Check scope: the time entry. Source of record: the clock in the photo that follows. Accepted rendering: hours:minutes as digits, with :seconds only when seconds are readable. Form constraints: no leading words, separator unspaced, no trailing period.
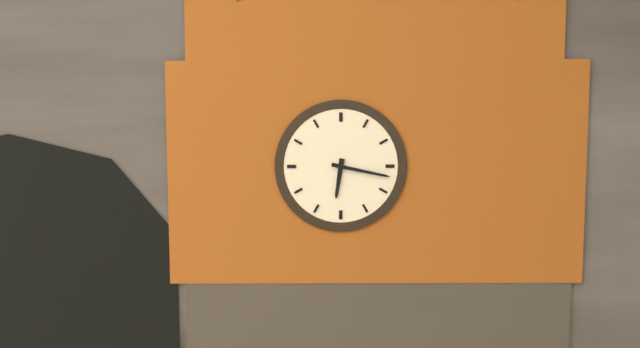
6:17
